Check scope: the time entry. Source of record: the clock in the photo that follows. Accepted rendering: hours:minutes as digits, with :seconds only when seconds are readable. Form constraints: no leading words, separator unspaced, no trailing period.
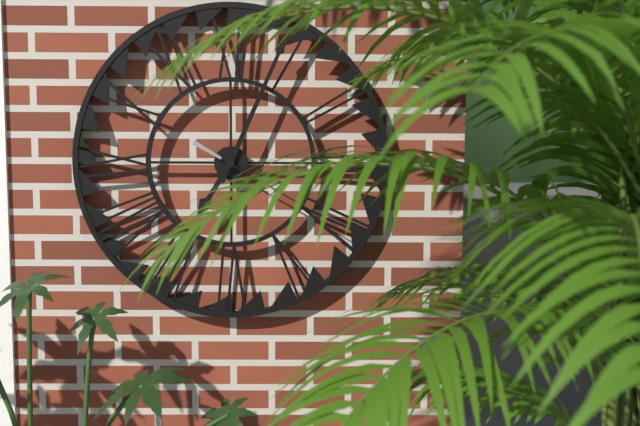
7:04:20
